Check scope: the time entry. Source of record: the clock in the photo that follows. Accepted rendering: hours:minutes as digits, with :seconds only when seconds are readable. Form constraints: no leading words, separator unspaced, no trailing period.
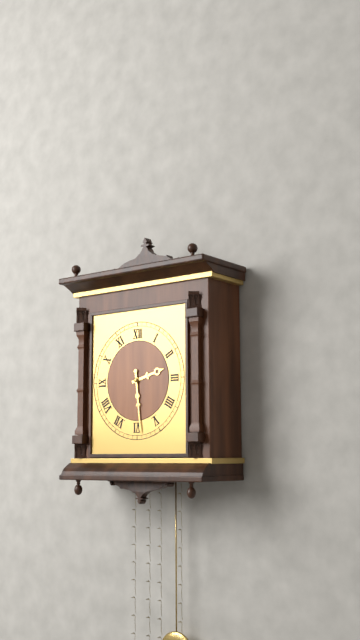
2:29
